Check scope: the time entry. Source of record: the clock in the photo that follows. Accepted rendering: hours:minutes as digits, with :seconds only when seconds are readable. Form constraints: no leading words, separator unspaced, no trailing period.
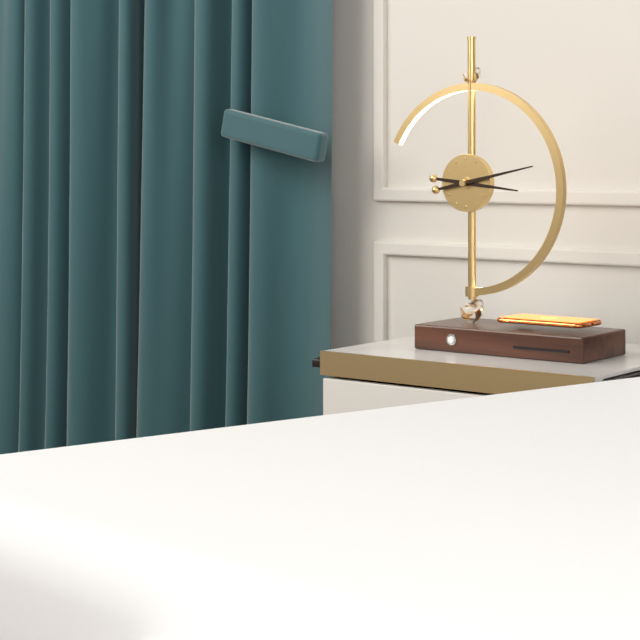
3:13
